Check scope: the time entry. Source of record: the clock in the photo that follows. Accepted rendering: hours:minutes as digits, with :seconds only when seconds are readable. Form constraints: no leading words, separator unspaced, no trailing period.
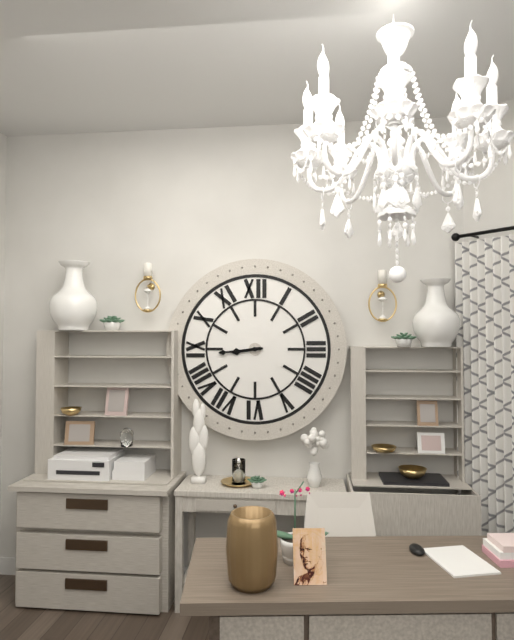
8:44
